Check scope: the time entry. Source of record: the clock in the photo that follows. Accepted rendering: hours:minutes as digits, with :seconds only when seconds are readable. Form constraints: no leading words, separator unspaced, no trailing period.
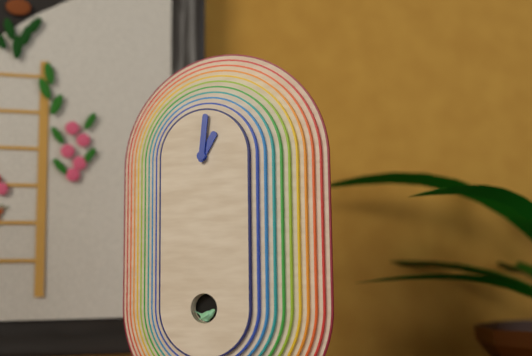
1:01
